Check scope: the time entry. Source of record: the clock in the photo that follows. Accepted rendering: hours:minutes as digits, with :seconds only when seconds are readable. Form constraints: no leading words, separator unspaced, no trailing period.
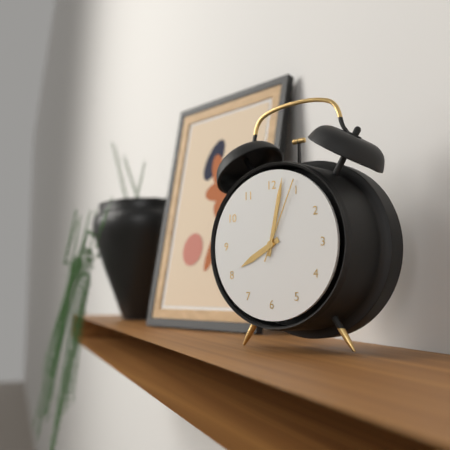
8:02:04
